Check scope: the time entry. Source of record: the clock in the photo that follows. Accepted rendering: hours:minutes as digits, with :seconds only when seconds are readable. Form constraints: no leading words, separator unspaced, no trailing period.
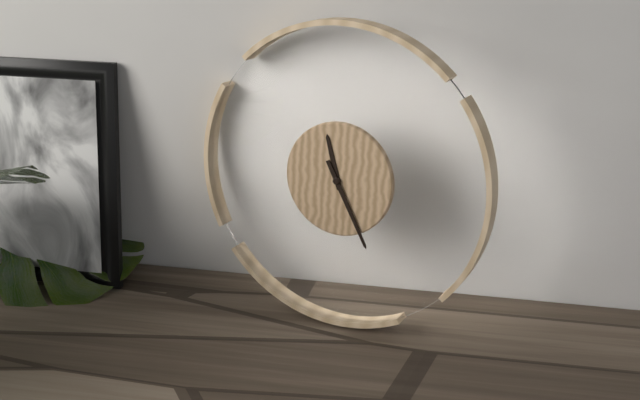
11:25
